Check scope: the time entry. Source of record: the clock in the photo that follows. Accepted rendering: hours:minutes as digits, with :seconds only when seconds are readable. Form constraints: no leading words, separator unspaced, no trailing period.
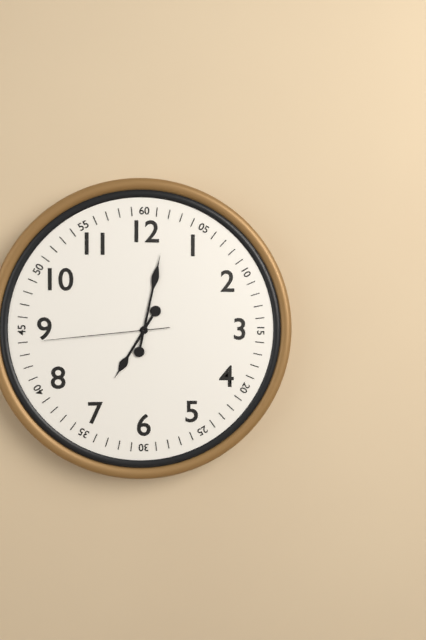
7:02:44
